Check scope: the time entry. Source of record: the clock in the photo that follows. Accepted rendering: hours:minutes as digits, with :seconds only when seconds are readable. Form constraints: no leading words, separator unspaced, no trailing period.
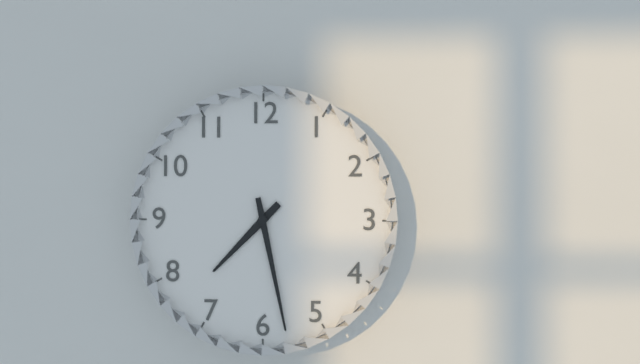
7:28
